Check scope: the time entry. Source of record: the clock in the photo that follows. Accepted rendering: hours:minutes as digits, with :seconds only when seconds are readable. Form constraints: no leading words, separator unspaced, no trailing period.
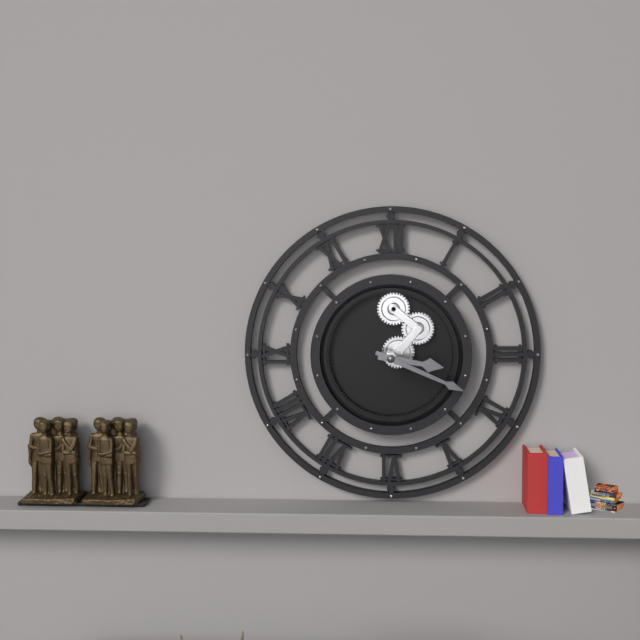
3:19
